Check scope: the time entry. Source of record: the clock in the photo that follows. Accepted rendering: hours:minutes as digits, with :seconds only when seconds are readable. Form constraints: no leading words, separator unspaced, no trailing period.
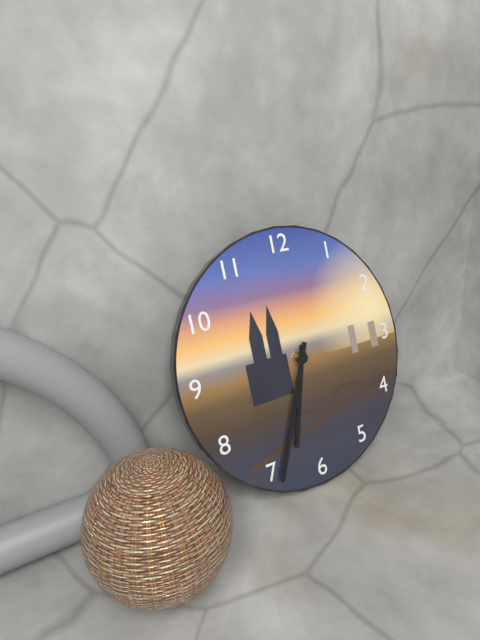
6:34
